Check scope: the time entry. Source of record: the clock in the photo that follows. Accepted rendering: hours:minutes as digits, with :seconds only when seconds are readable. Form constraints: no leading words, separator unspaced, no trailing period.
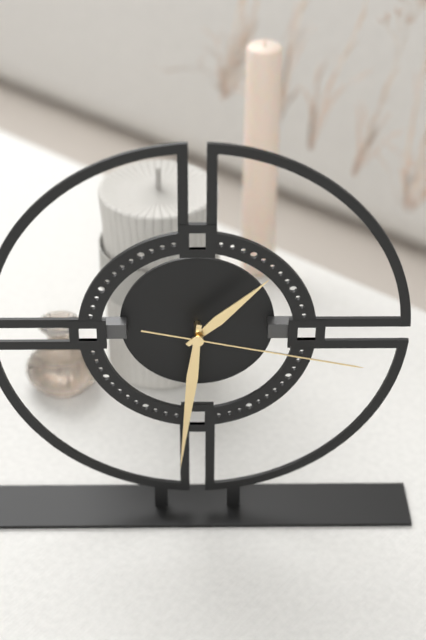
1:31:17
